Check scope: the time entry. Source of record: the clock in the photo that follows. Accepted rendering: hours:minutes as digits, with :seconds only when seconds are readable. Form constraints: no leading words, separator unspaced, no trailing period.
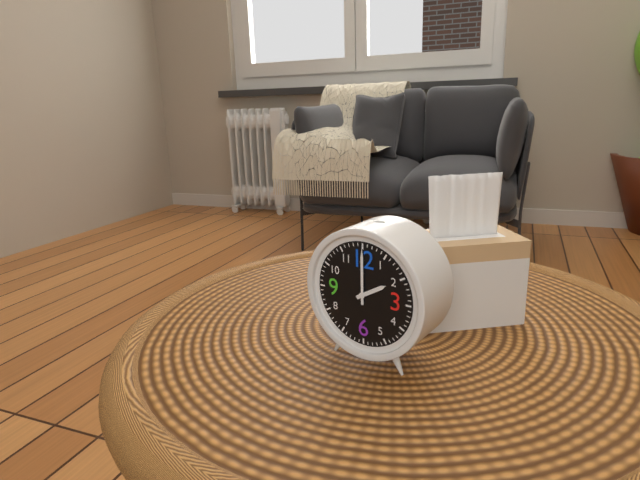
2:00
